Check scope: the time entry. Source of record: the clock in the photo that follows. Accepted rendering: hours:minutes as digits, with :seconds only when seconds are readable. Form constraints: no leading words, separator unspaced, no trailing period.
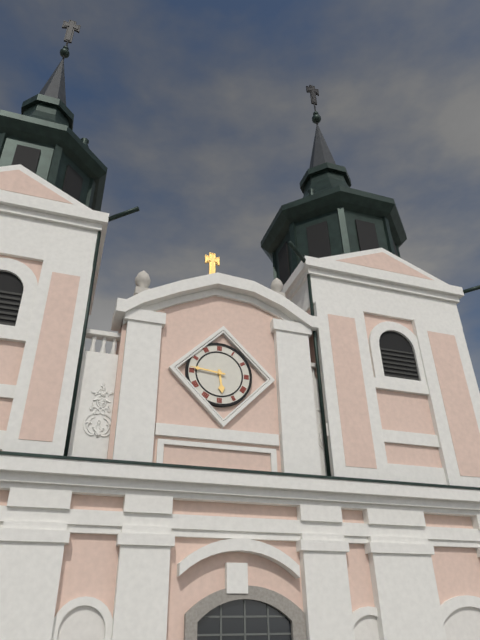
5:46
